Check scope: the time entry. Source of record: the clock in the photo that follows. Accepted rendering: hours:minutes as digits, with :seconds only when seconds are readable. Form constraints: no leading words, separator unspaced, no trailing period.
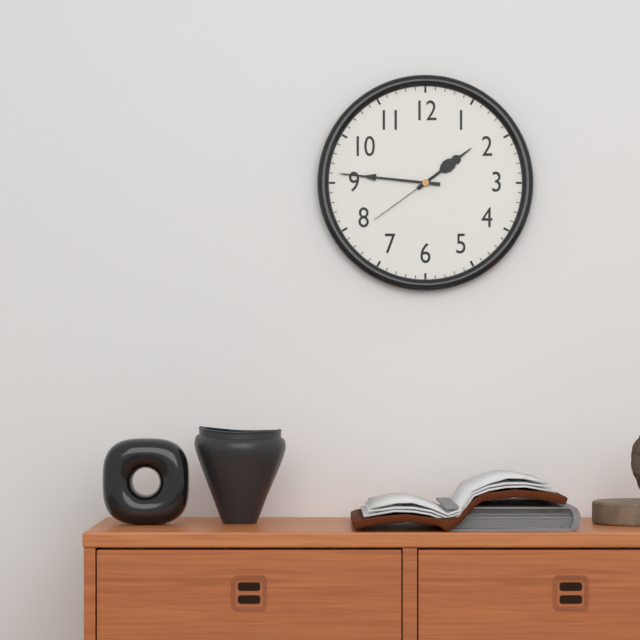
1:46:39
